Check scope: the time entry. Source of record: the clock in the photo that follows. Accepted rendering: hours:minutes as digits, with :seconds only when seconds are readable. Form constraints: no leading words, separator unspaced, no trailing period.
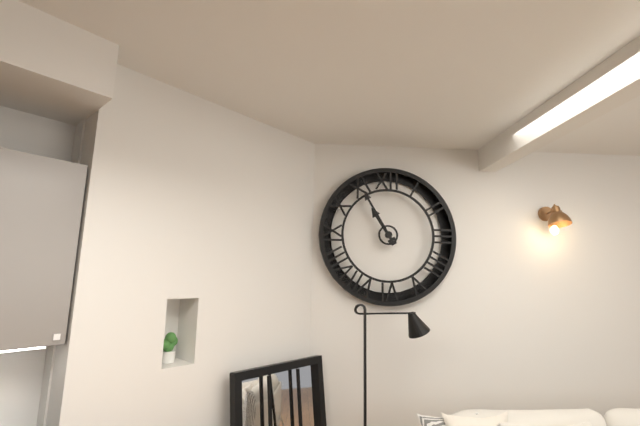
10:55
